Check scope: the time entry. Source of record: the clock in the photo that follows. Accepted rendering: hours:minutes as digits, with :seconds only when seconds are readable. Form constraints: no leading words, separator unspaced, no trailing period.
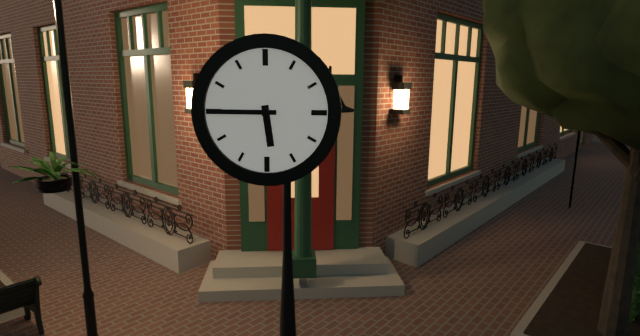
5:45
